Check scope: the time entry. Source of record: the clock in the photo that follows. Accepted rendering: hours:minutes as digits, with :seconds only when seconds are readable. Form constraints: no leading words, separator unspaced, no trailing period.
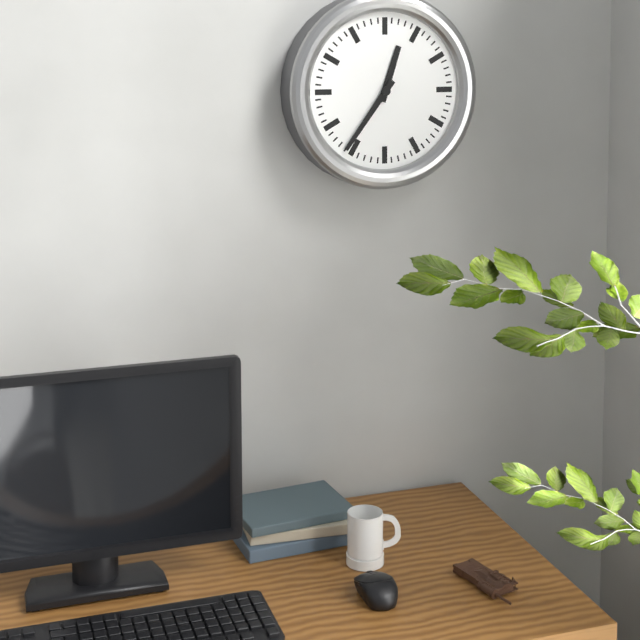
12:36
